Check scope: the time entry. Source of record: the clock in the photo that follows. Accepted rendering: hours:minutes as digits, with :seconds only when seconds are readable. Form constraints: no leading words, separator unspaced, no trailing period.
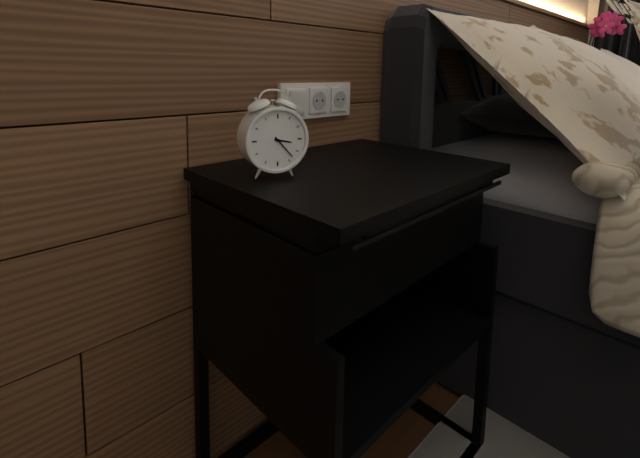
3:23
